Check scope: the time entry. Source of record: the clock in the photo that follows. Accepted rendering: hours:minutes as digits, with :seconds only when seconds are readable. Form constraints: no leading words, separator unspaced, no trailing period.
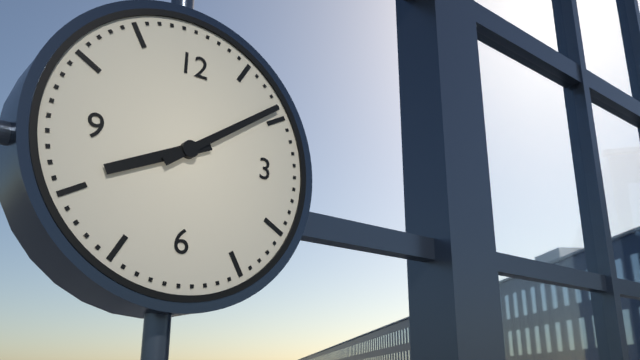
8:09
